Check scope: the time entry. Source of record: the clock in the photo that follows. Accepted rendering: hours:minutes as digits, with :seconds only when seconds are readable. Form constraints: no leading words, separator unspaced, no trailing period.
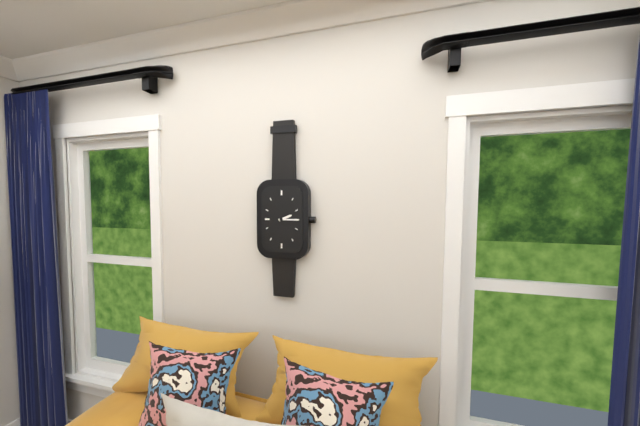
2:15
